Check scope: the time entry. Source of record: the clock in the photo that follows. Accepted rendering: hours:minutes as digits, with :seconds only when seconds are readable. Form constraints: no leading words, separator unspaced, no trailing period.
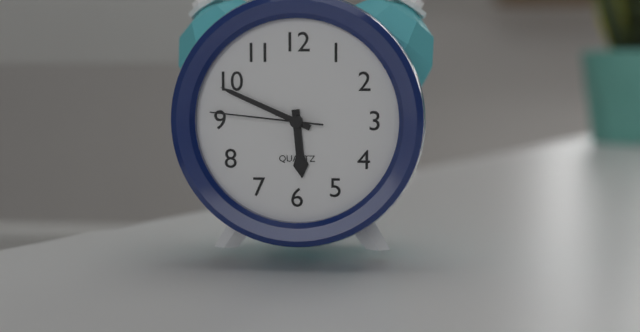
5:49:46
